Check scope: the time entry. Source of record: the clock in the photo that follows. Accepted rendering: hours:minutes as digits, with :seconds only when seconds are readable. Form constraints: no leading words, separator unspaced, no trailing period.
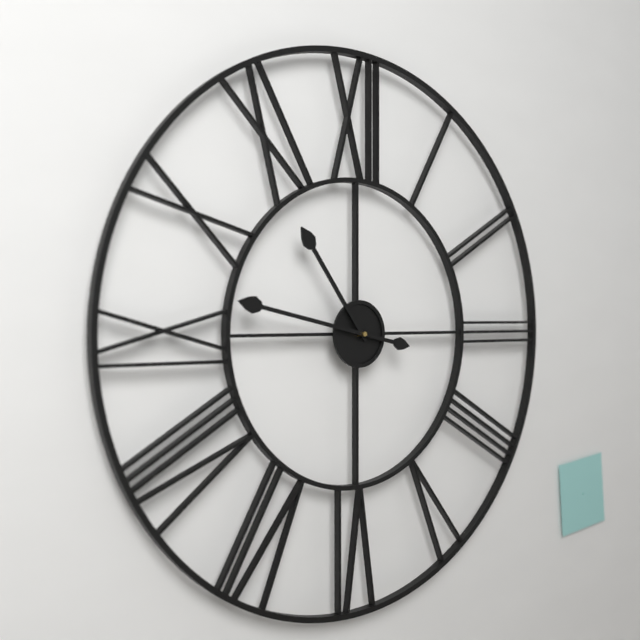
10:47
